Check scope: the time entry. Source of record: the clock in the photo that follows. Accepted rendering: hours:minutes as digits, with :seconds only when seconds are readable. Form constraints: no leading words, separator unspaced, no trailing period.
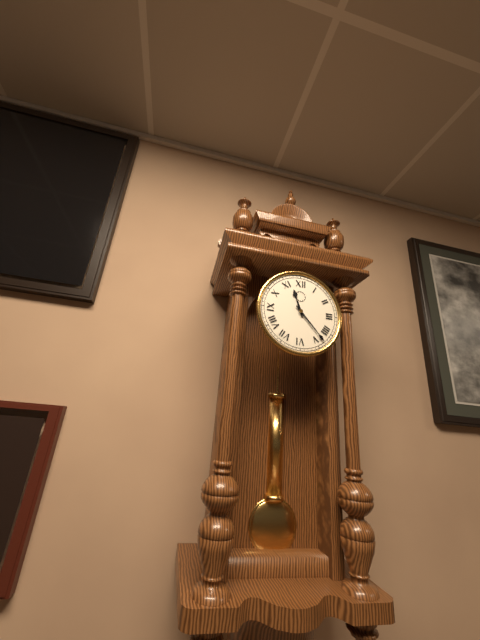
11:23
